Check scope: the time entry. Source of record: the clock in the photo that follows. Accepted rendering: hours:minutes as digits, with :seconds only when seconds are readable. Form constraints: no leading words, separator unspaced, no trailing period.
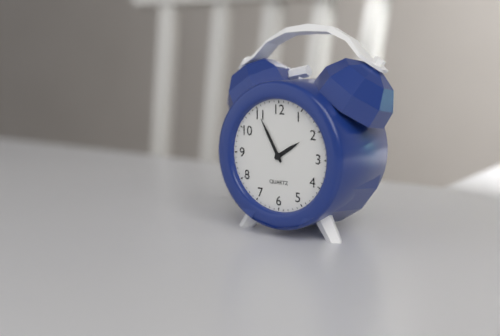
1:55
